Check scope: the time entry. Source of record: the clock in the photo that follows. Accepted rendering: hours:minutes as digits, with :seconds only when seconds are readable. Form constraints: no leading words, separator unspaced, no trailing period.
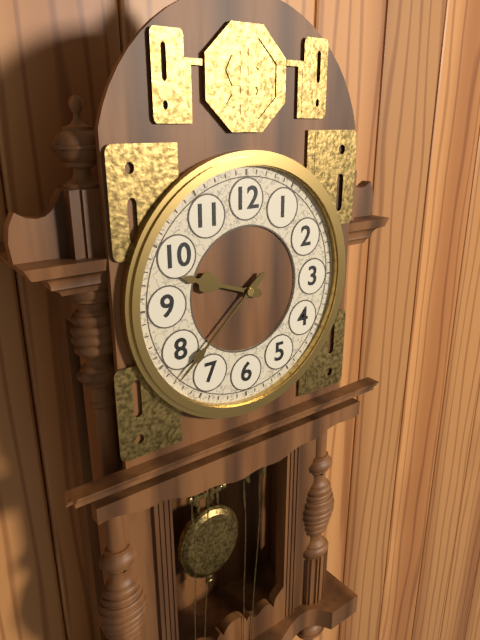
9:38
